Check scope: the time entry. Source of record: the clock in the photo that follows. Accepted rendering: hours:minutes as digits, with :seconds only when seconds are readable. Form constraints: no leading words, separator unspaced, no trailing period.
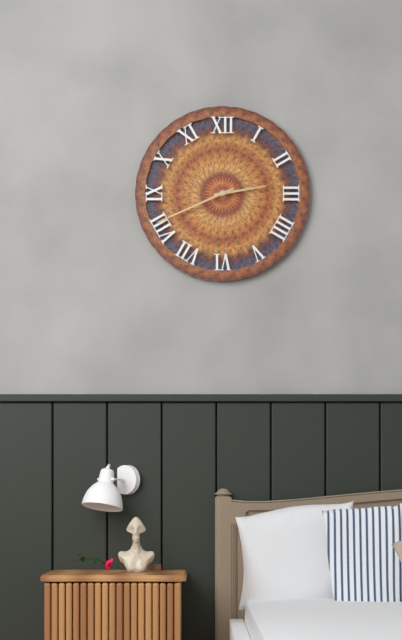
2:41
